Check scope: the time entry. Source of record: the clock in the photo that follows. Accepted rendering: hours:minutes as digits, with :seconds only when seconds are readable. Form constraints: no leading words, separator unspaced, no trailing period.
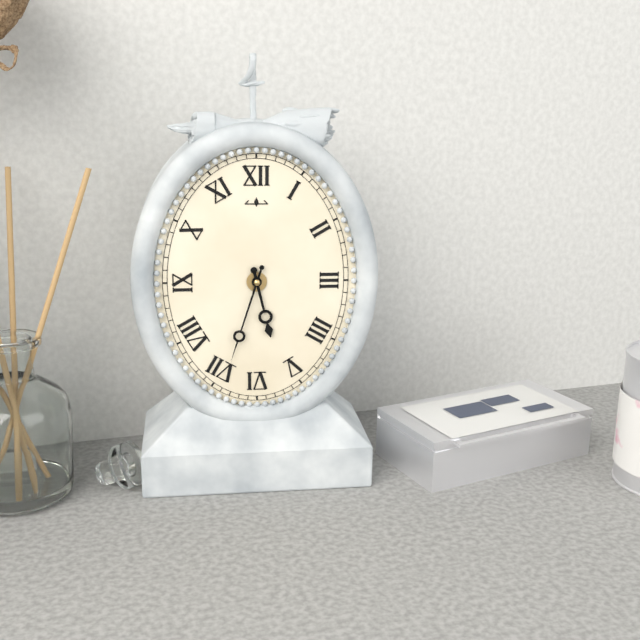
5:33
